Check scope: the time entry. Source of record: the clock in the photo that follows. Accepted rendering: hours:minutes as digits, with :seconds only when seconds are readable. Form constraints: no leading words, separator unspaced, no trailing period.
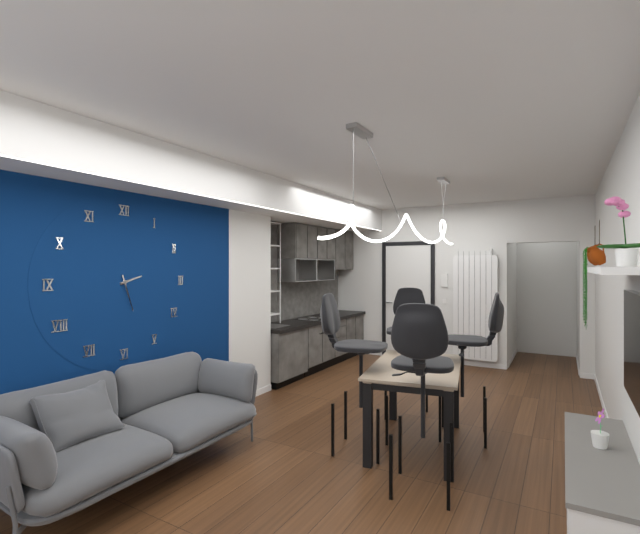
2:27
